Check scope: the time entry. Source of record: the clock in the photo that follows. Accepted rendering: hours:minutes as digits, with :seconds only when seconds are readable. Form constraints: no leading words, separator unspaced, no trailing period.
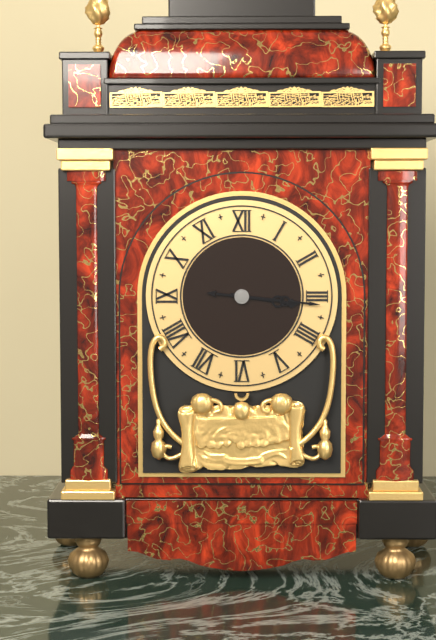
3:16
